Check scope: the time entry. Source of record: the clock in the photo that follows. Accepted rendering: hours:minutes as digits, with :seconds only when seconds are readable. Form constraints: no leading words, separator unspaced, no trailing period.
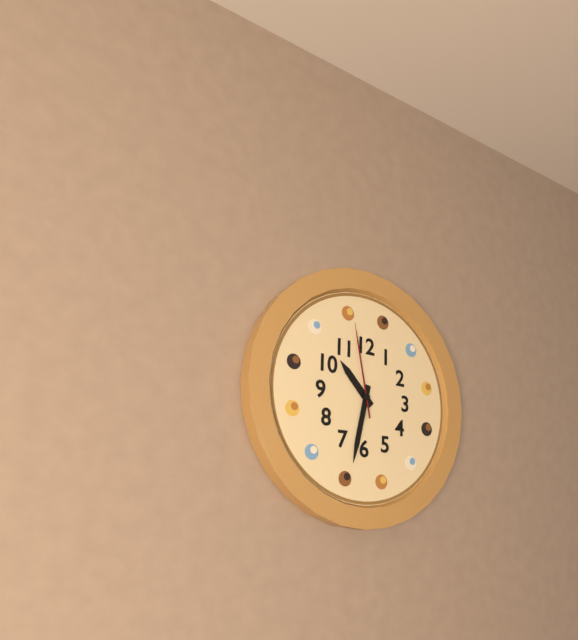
10:32:58
